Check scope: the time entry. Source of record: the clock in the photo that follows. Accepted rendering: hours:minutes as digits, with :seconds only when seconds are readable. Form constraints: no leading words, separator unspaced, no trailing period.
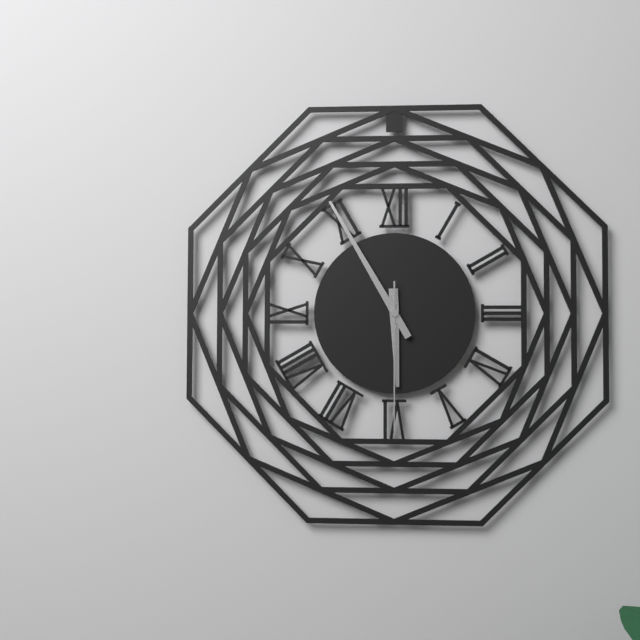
5:55:30
